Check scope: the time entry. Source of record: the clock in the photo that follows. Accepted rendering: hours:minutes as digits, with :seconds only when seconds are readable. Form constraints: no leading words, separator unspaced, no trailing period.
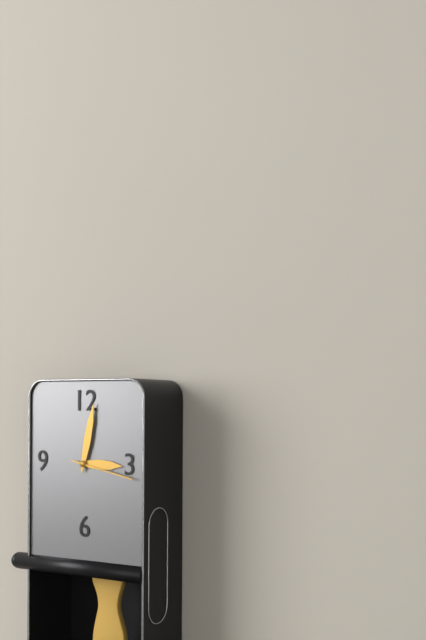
3:02
